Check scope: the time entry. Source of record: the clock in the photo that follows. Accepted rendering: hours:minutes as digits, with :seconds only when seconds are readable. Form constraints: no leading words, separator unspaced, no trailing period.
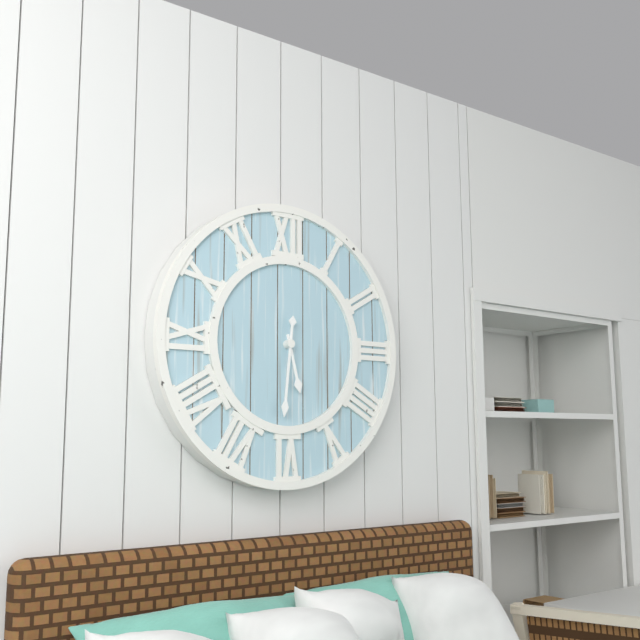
5:31
